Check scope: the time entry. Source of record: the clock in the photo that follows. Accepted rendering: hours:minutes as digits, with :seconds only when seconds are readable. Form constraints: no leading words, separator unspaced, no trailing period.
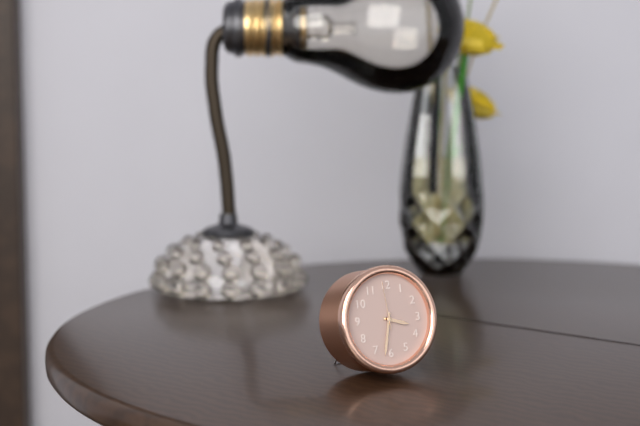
3:32
